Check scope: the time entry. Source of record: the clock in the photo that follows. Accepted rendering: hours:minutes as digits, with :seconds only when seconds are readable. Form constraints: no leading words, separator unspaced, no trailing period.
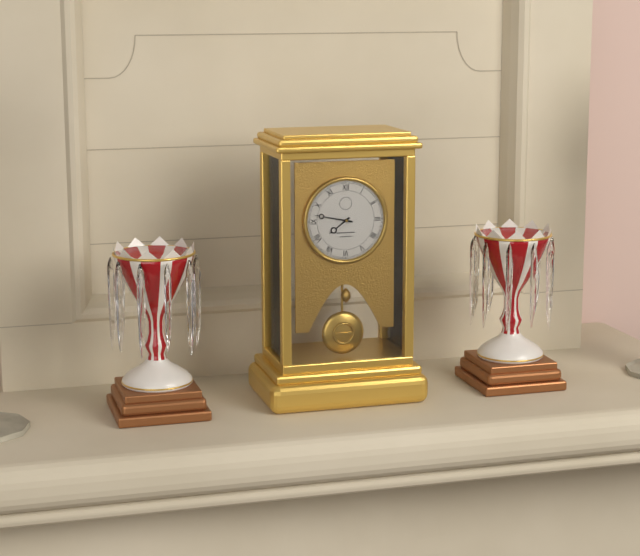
7:47
